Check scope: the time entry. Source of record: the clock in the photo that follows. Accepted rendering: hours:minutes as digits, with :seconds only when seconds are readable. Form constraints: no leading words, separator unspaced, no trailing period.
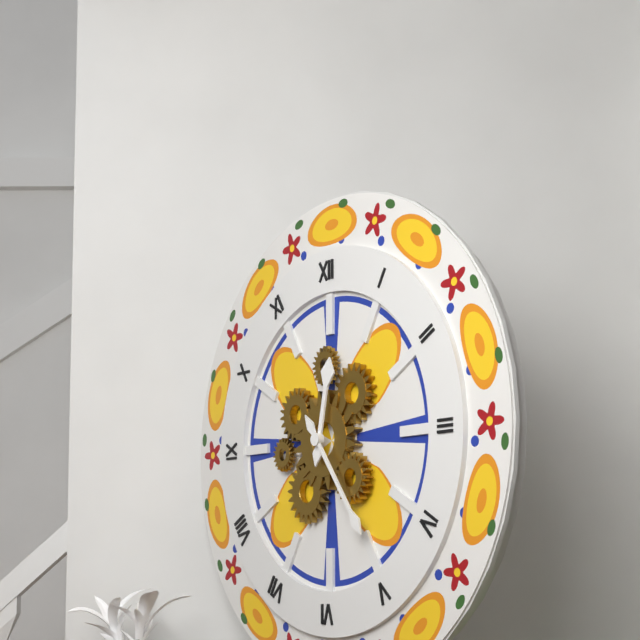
12:24
